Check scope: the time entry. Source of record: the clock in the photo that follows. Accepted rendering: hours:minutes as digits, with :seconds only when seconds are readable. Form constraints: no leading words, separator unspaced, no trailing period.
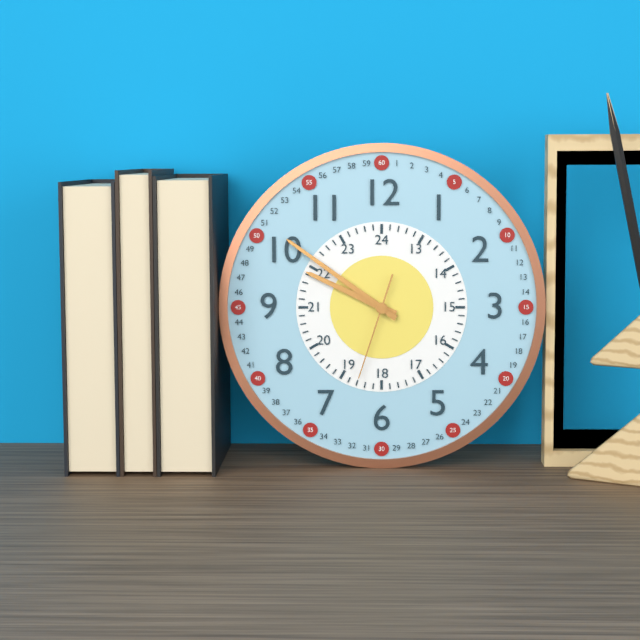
9:51:33
